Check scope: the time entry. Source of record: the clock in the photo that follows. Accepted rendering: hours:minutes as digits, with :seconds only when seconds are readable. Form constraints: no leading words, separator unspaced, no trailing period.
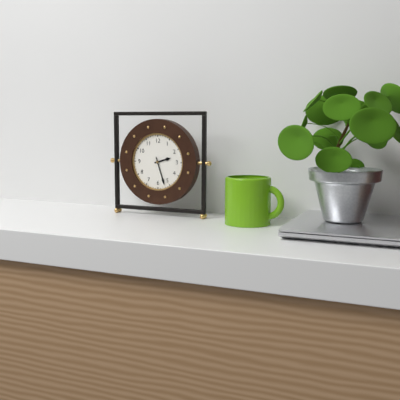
2:27
